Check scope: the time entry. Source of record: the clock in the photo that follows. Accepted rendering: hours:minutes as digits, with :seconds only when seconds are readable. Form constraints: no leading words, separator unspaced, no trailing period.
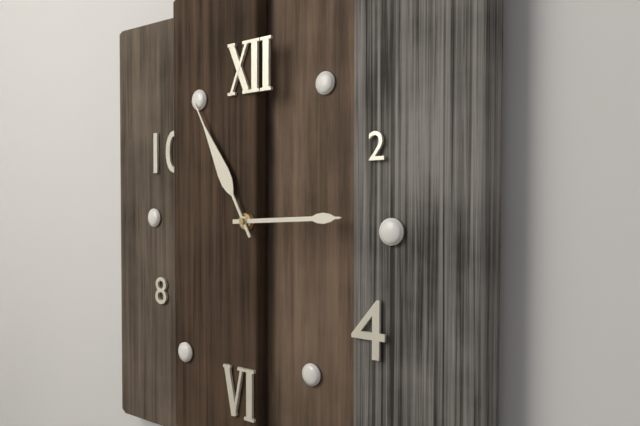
2:55
